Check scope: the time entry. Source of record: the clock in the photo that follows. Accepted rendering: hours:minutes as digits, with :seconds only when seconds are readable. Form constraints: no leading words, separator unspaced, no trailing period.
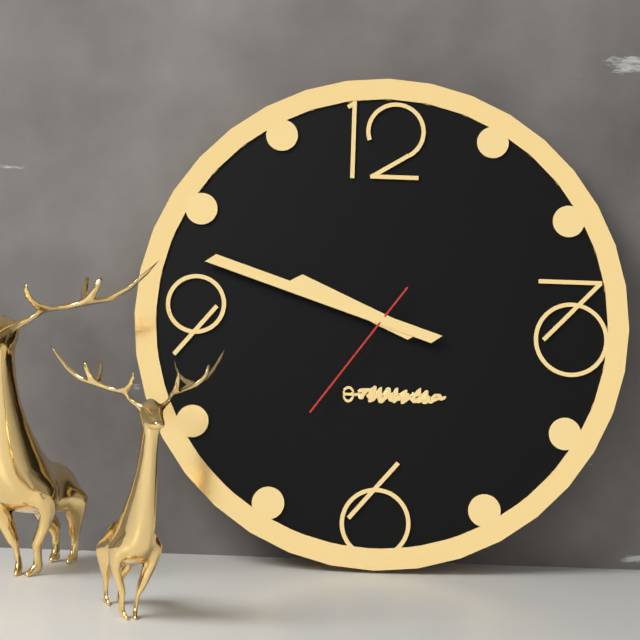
9:48:36
